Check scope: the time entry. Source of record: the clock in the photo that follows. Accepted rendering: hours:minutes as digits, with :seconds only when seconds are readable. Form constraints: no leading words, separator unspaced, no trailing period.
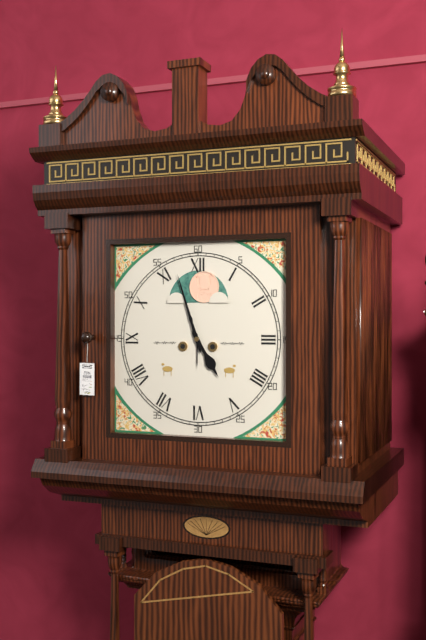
4:57
